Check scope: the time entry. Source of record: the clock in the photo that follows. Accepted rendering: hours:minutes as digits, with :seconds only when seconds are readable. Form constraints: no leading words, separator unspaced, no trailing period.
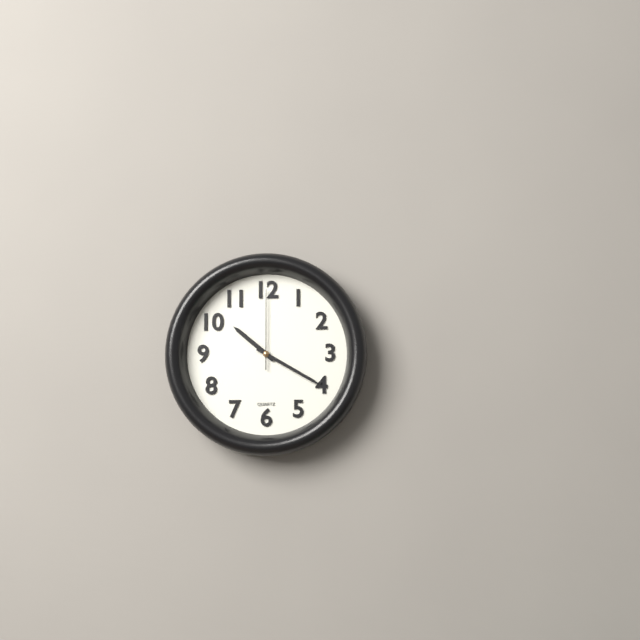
10:20:00
